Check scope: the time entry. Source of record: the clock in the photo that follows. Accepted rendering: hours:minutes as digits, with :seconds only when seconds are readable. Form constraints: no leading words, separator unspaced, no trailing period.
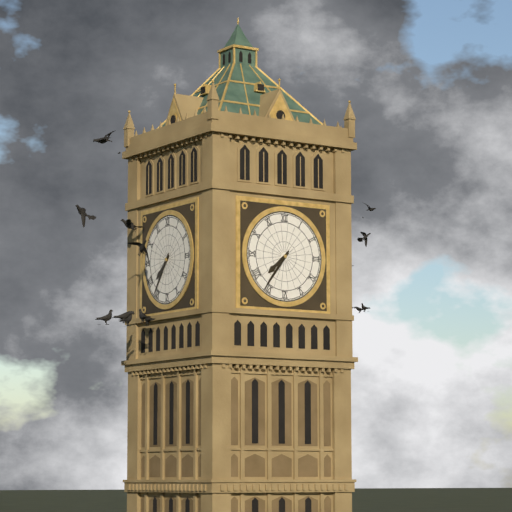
7:36
